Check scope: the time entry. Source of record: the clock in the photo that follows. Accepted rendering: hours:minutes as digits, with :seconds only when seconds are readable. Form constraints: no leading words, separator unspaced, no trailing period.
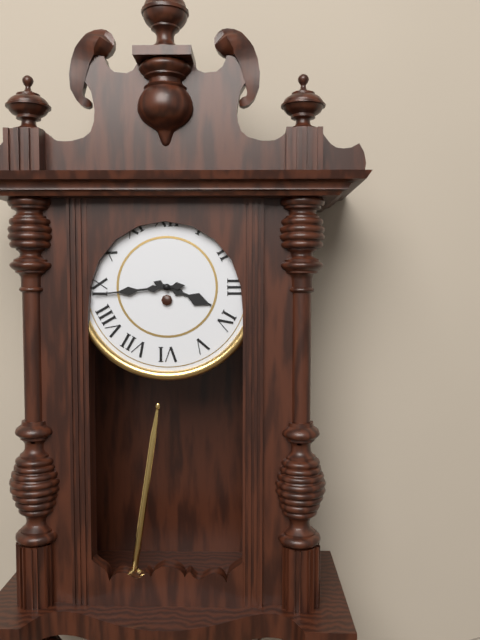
3:44
